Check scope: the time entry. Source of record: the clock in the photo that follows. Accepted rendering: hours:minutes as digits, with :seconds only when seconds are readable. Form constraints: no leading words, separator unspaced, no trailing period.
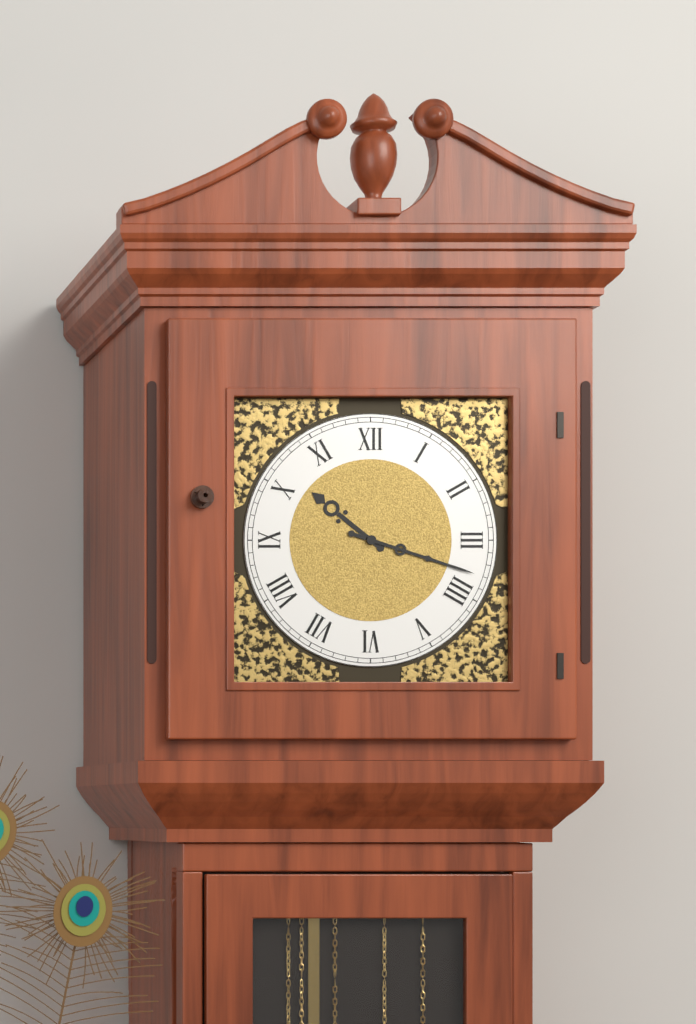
10:18
